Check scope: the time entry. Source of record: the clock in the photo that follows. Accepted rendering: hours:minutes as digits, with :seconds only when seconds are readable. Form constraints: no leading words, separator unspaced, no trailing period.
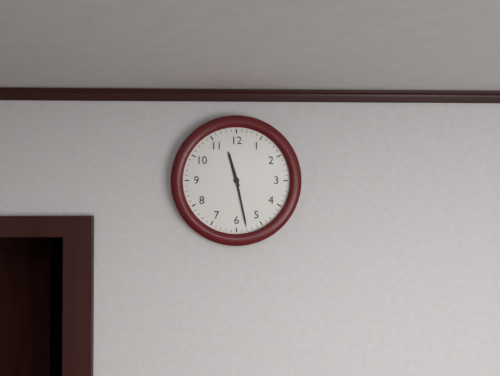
11:28
